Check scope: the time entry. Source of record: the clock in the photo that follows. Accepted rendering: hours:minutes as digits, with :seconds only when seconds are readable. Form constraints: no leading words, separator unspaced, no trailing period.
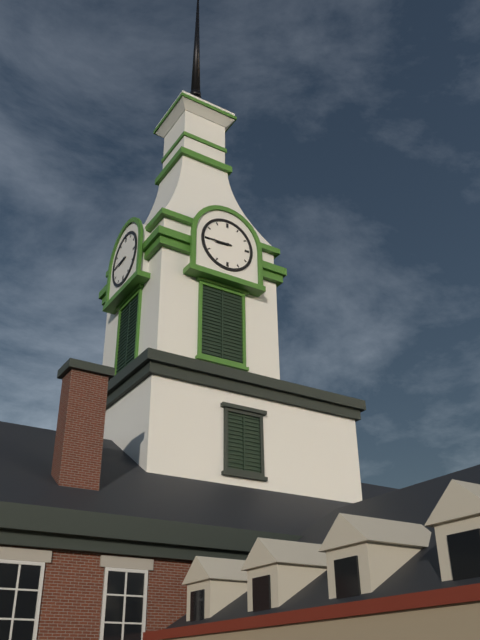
8:45
